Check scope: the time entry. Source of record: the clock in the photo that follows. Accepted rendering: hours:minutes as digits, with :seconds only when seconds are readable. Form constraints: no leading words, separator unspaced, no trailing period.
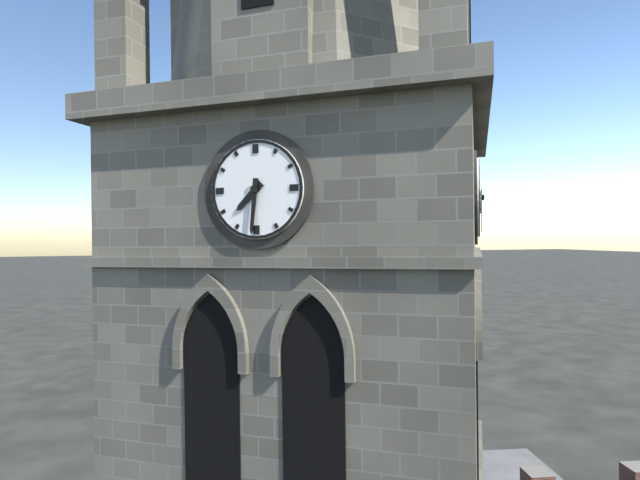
7:31
